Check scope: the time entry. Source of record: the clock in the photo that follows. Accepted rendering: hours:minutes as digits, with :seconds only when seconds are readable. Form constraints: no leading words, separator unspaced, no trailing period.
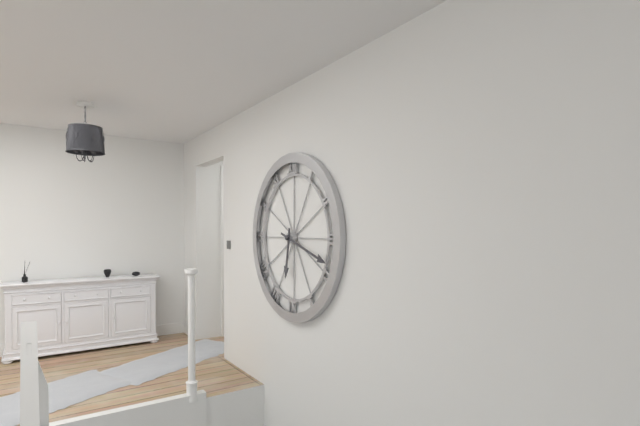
6:18
